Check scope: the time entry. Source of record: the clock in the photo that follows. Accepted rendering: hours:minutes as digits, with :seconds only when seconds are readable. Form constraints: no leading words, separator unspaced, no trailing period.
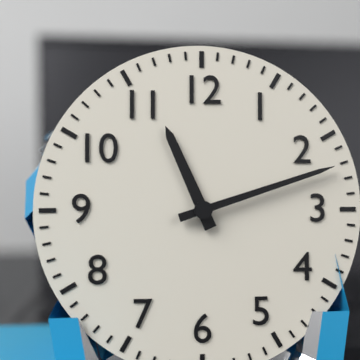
11:12
